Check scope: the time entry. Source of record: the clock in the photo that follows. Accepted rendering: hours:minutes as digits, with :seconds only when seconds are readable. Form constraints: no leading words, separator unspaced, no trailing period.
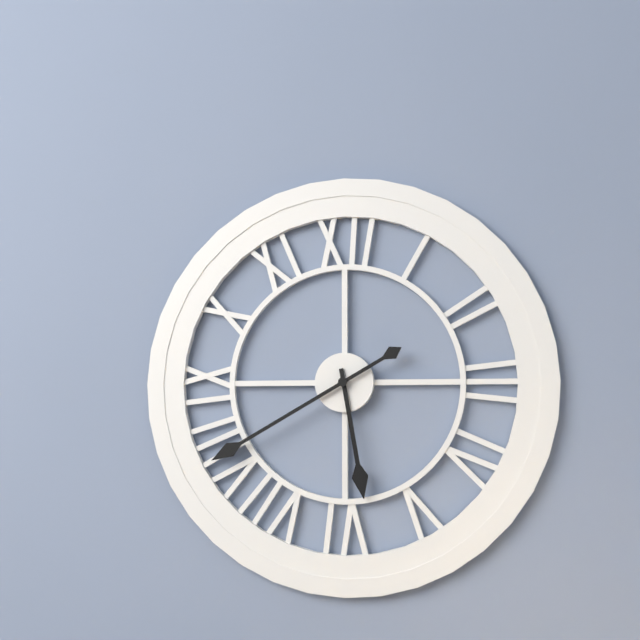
5:40
